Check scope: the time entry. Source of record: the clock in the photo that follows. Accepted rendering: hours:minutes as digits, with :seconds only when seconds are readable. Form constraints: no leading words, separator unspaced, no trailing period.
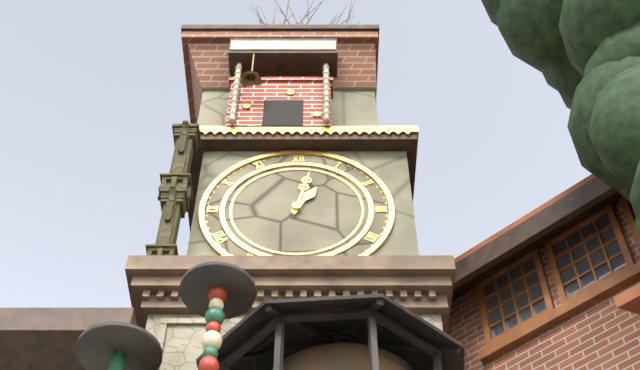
1:02
